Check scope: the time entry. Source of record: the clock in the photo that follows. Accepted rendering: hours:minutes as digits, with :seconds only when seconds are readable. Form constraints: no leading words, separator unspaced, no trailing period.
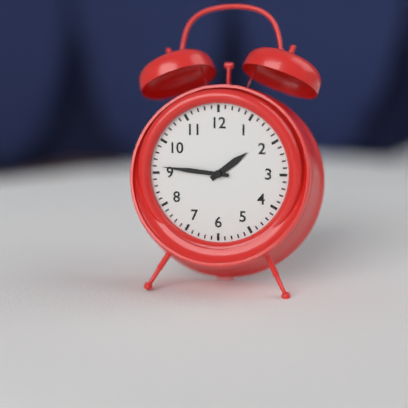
1:46
